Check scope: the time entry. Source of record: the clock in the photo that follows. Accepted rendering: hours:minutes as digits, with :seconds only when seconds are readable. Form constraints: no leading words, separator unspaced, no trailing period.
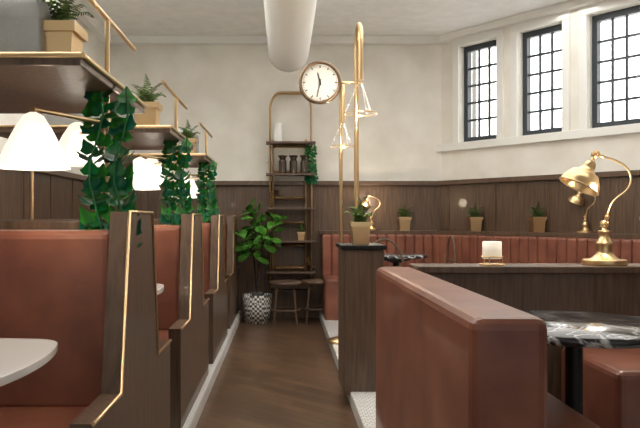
11:32
